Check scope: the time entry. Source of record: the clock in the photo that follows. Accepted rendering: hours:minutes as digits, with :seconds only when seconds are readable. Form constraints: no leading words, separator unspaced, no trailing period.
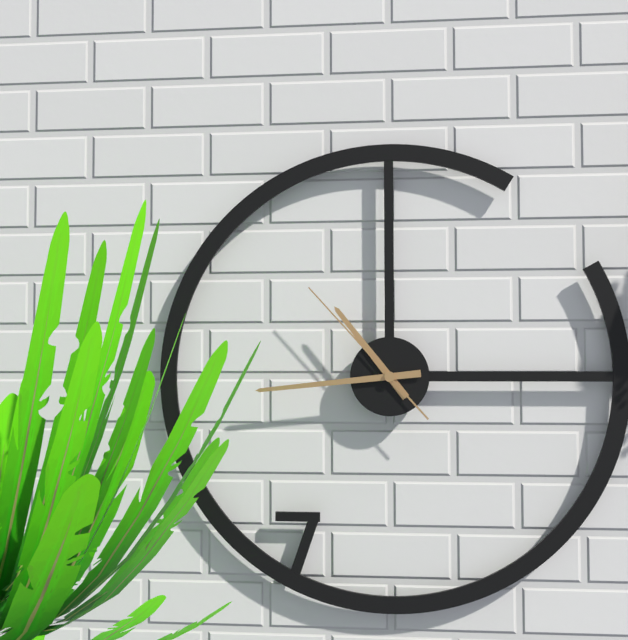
10:44:53
